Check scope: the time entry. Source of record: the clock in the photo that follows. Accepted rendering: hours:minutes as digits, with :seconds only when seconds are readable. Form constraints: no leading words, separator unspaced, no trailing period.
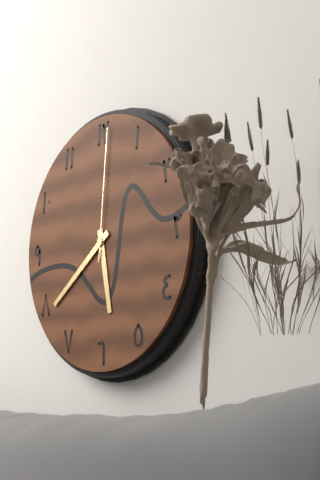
5:39:01
